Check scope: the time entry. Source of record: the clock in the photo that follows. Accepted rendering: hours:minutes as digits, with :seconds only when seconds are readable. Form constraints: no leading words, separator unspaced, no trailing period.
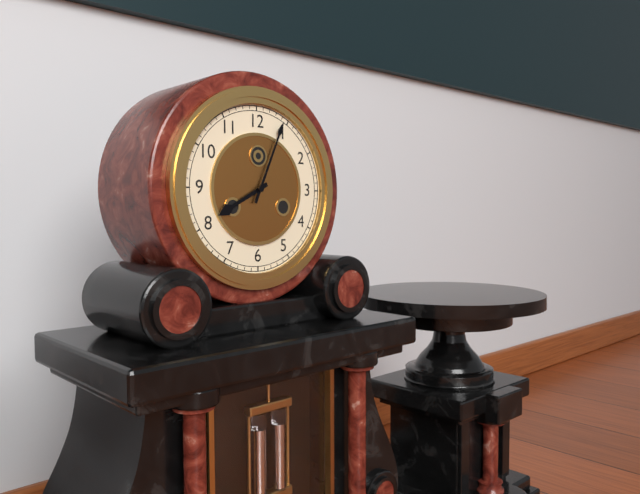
8:04
